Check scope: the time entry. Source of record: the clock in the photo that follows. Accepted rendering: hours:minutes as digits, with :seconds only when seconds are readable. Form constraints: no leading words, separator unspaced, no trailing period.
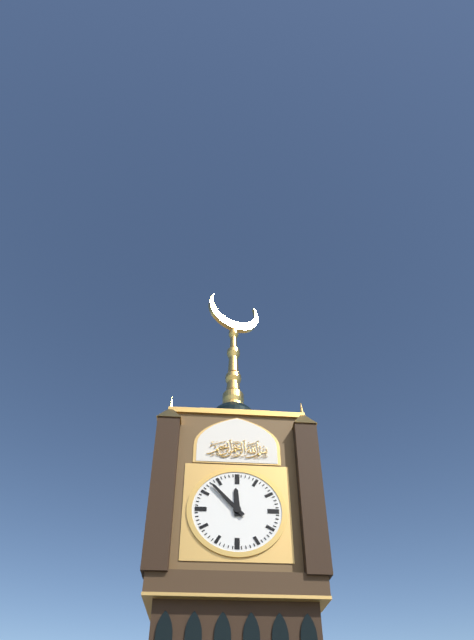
11:53
